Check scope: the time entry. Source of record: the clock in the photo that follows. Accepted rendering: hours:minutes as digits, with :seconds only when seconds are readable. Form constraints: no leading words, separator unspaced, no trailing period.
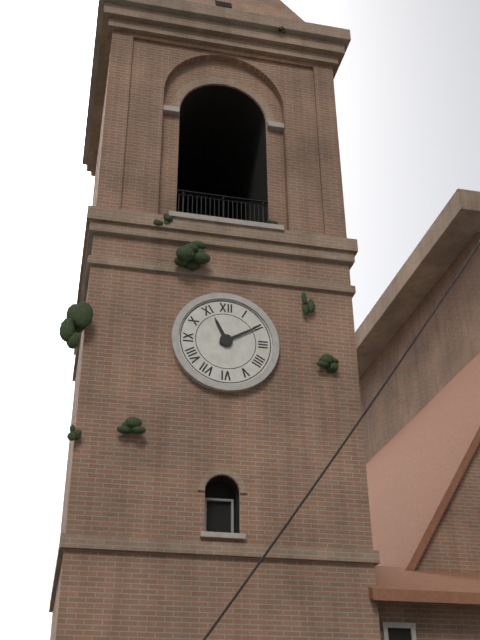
11:10
